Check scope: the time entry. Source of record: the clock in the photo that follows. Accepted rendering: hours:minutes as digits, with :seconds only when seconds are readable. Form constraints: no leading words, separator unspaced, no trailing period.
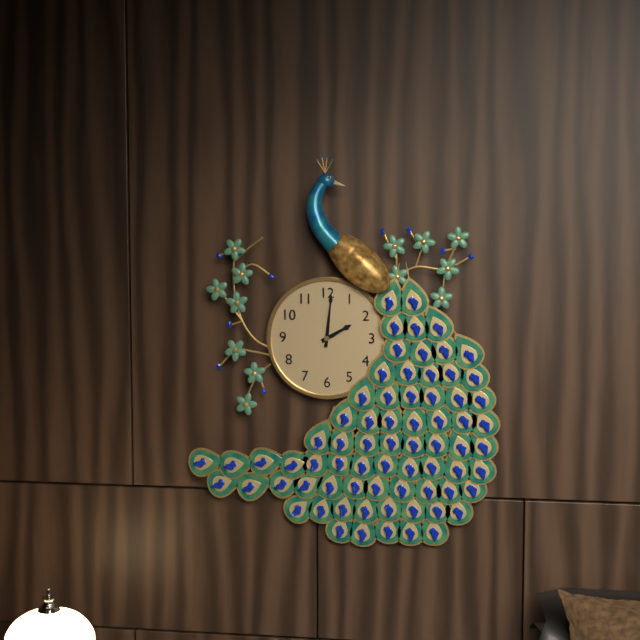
2:01
